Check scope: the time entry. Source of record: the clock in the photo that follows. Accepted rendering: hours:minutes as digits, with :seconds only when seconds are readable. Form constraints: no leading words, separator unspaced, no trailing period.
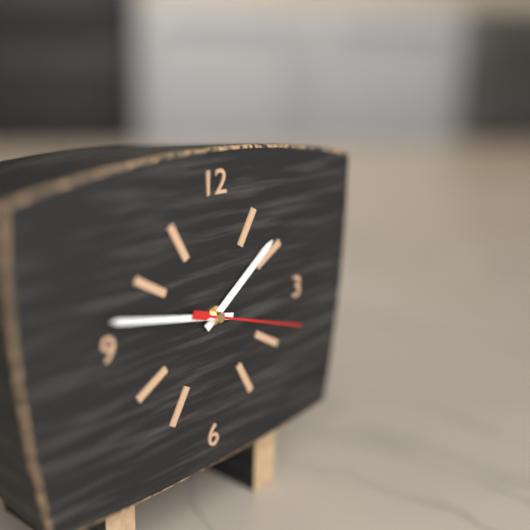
1:47:18
